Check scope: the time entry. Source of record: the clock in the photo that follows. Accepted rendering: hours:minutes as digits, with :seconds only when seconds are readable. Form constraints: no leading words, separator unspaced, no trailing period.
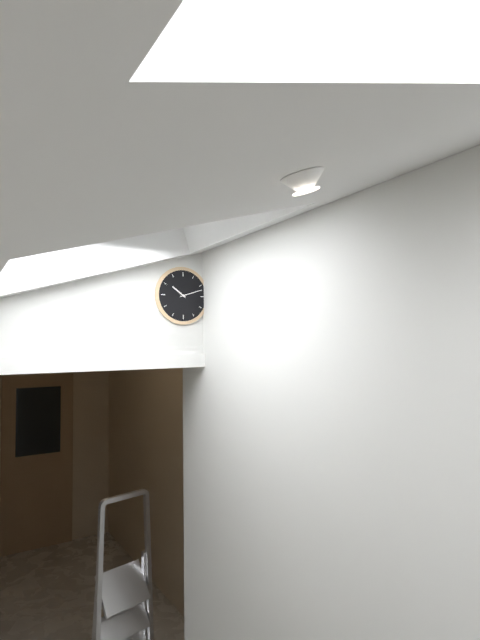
10:12
